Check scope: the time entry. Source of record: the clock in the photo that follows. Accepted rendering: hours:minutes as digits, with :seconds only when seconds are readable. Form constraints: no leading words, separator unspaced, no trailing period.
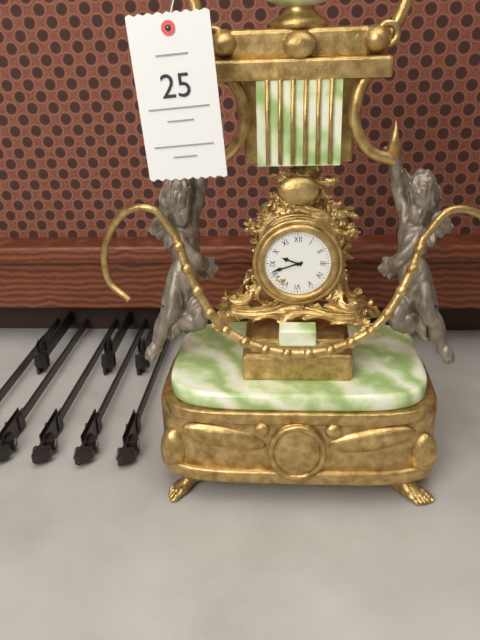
9:42
